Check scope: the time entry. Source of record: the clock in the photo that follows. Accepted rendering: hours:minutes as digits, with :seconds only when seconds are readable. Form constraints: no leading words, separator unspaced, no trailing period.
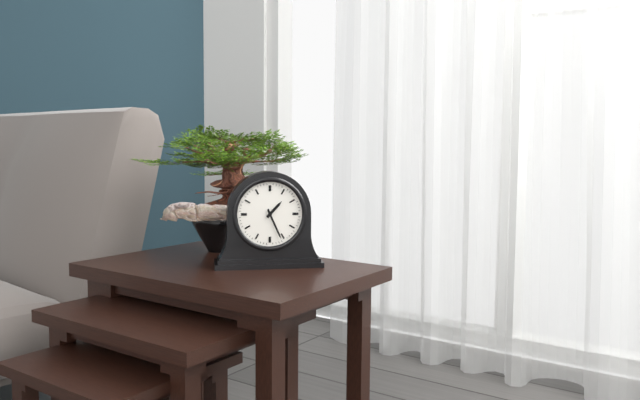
1:26
